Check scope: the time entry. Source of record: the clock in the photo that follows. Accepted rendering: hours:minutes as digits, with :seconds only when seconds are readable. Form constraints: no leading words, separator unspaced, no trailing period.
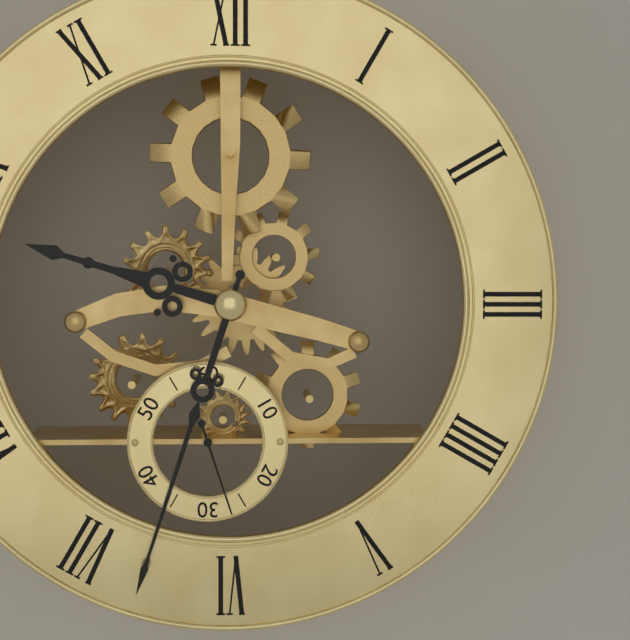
9:33:27
